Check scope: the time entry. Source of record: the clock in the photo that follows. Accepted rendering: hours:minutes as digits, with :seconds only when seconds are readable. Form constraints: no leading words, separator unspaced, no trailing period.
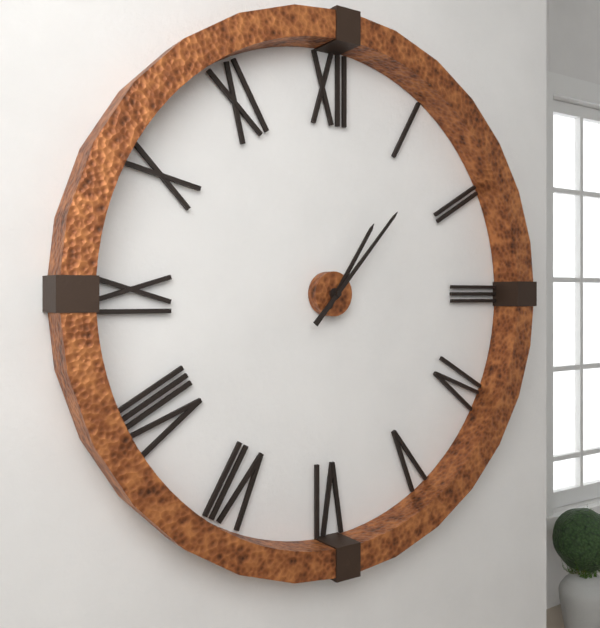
1:07
